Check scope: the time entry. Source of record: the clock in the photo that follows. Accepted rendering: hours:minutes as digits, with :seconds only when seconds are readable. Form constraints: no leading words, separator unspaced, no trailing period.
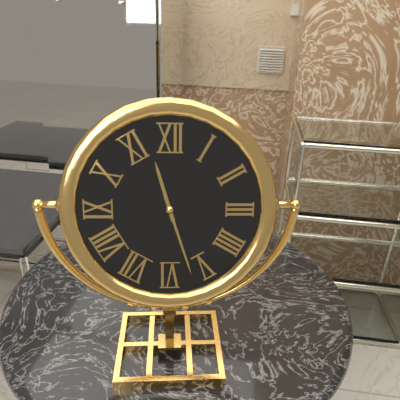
11:27
